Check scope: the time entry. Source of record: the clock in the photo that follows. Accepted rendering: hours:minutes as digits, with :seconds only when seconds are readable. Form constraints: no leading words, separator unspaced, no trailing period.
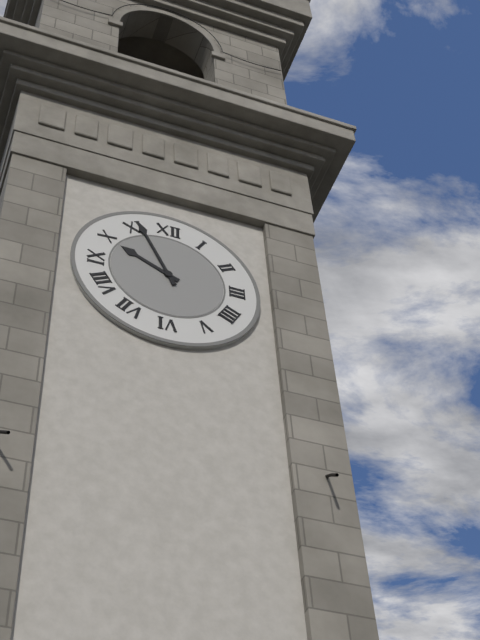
9:56
